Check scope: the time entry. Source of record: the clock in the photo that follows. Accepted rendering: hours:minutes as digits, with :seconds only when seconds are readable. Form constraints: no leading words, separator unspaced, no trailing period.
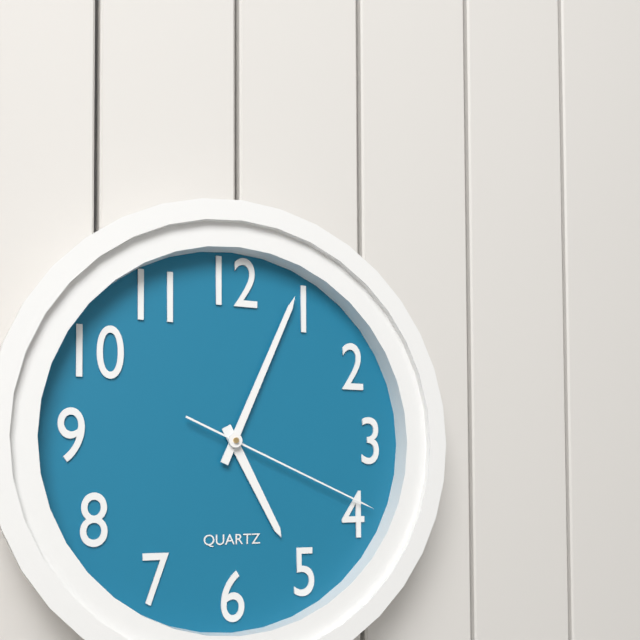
5:04:19
